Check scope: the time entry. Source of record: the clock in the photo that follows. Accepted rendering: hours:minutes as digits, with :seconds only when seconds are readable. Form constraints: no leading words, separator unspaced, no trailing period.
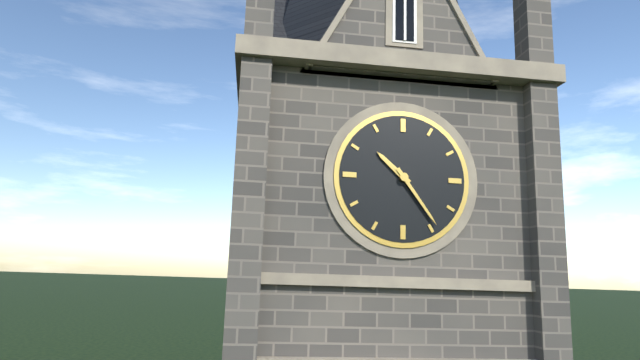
10:24
